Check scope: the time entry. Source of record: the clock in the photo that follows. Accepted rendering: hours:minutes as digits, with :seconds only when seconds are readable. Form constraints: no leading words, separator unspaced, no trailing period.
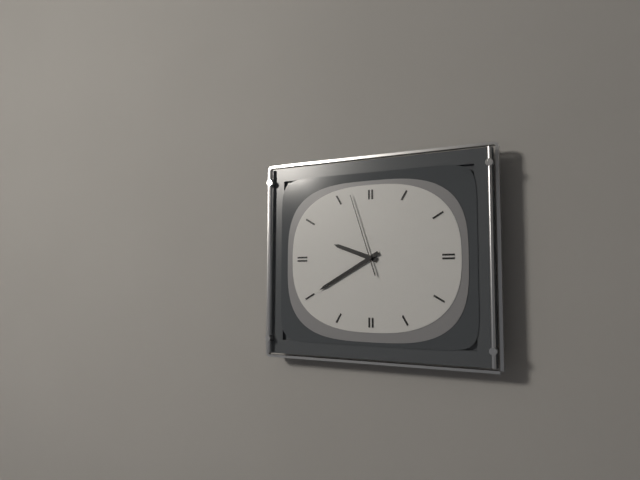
9:40:57
